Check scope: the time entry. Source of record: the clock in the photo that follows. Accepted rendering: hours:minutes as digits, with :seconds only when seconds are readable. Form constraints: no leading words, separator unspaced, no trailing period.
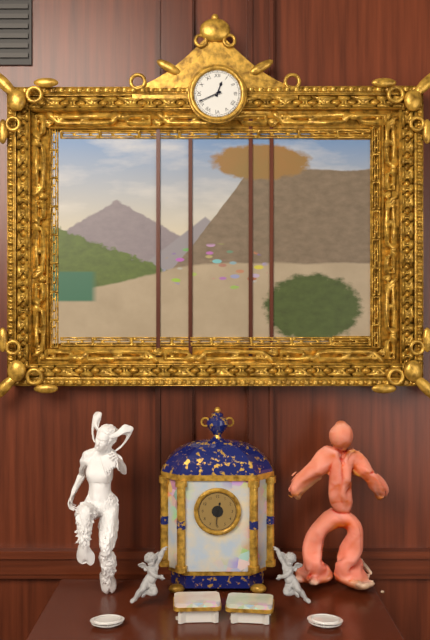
12:41
